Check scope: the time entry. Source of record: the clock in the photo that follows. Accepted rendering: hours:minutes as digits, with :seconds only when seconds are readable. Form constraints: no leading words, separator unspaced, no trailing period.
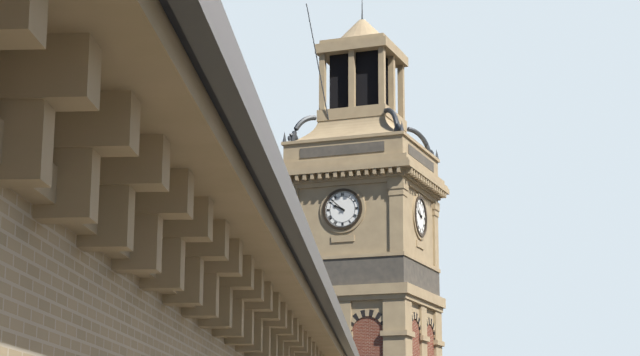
9:52
